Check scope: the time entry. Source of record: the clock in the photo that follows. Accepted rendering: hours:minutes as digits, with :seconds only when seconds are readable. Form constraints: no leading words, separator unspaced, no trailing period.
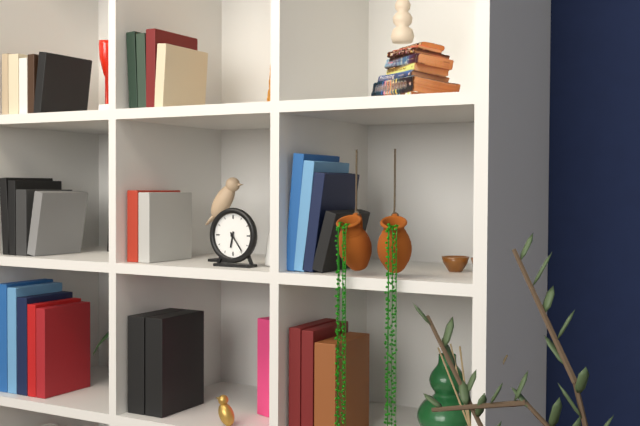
6:24
